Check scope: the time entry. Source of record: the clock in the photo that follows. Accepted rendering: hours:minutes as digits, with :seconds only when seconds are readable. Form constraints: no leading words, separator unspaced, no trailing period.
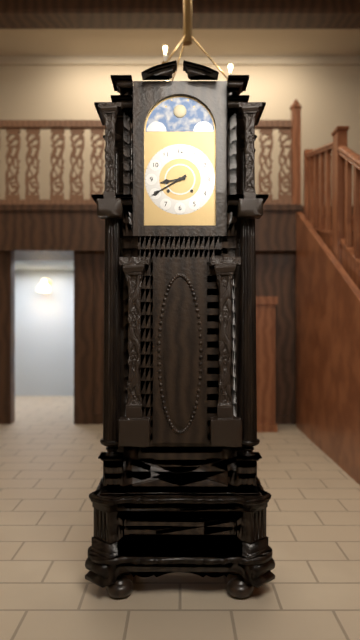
8:40
